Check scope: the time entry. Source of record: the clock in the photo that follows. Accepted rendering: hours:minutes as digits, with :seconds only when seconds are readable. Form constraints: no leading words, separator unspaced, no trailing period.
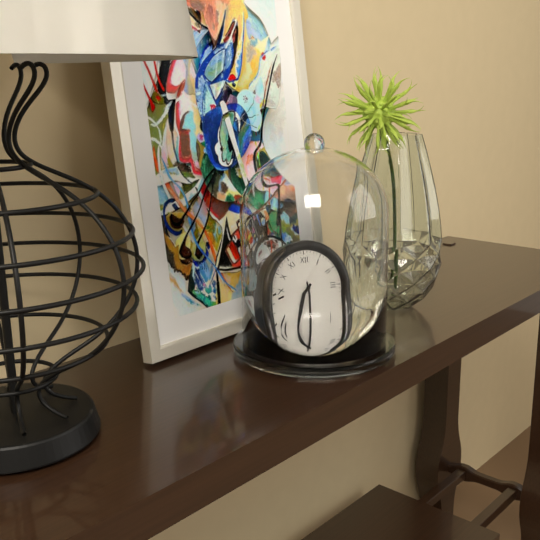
7:29
